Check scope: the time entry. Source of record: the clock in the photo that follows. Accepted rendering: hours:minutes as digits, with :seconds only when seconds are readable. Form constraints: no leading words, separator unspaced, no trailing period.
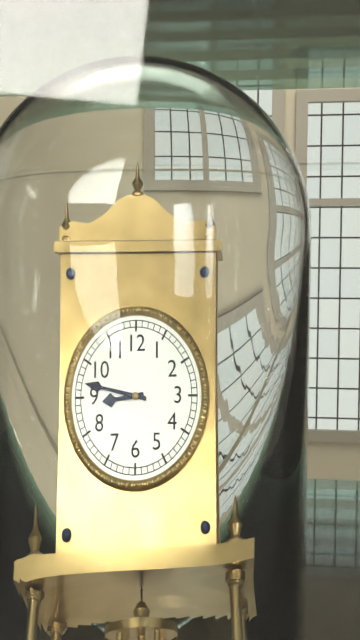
8:47
